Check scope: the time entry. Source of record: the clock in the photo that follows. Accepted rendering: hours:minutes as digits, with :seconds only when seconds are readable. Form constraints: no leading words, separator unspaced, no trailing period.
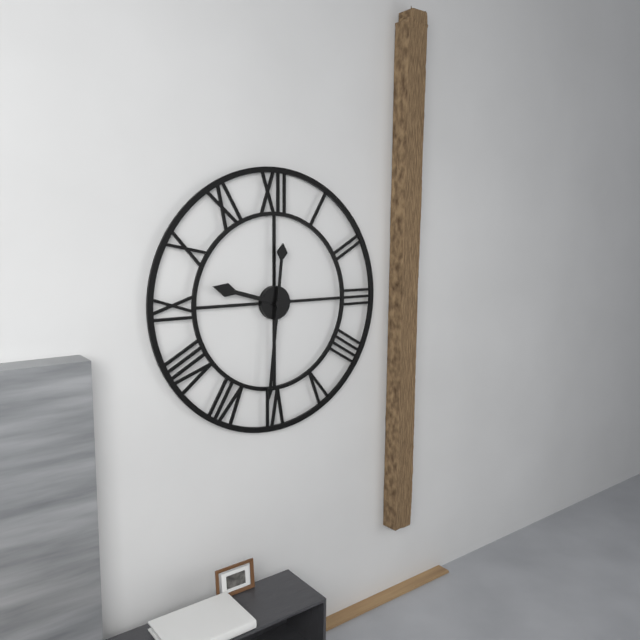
9:31
